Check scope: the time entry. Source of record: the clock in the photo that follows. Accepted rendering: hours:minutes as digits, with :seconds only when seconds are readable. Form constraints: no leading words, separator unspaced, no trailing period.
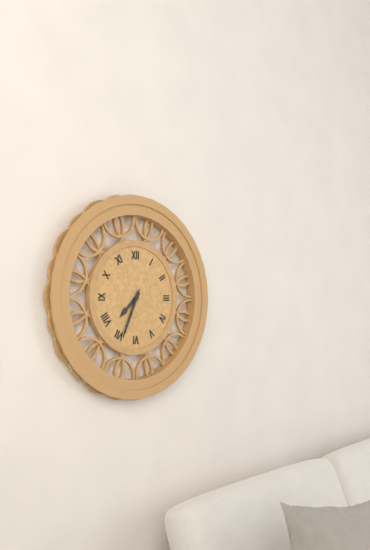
7:34
